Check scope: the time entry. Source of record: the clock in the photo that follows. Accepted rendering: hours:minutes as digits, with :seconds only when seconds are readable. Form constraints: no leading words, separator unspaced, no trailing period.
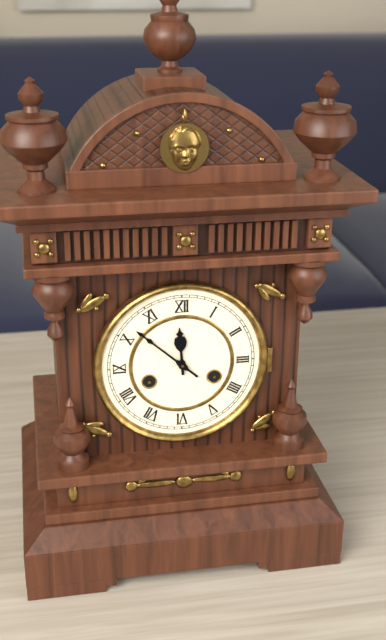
11:52
